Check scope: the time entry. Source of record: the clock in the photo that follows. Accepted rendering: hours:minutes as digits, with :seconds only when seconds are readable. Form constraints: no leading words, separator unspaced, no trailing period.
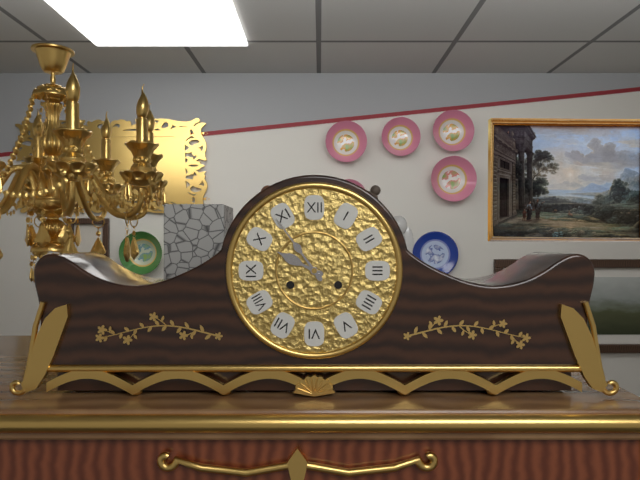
9:54
